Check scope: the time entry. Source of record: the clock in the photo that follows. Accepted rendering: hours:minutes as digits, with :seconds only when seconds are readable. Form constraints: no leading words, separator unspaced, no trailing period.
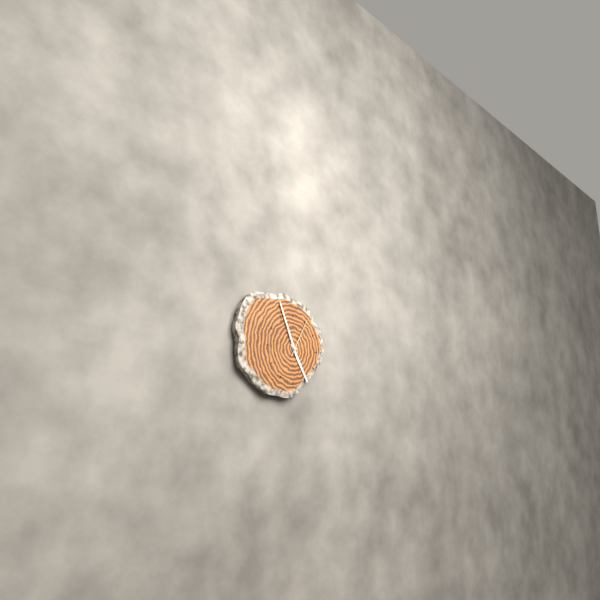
4:56
